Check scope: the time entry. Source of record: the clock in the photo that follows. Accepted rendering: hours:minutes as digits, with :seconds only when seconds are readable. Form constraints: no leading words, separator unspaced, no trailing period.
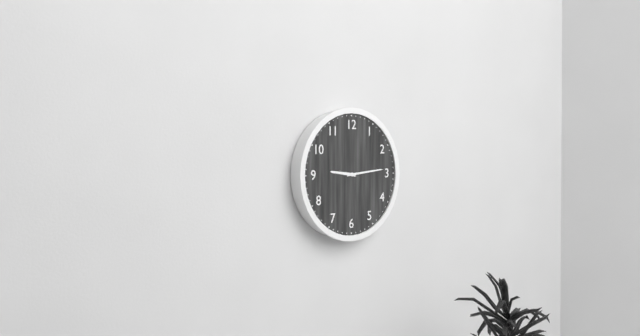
9:14
